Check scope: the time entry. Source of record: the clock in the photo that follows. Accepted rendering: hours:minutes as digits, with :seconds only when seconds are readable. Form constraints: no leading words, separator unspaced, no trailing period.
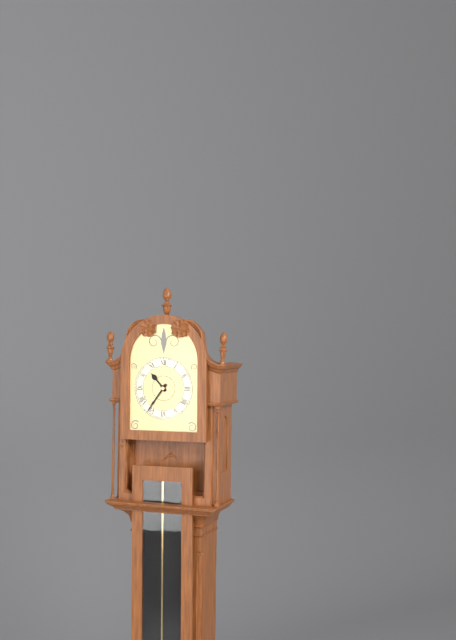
10:36
